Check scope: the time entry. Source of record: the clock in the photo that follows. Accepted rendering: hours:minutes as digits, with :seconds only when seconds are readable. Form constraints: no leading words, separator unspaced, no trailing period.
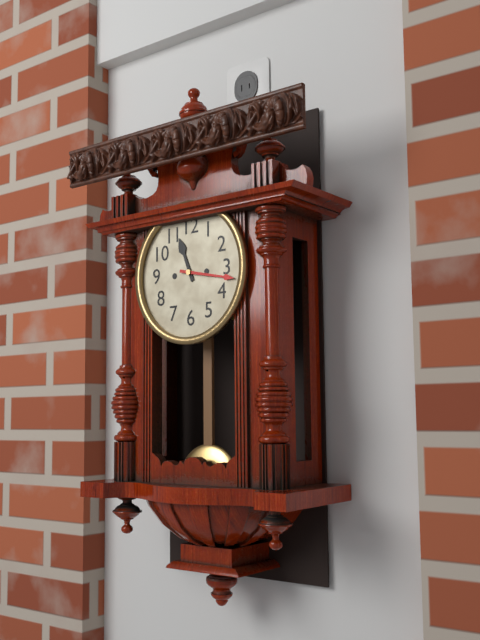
11:17
